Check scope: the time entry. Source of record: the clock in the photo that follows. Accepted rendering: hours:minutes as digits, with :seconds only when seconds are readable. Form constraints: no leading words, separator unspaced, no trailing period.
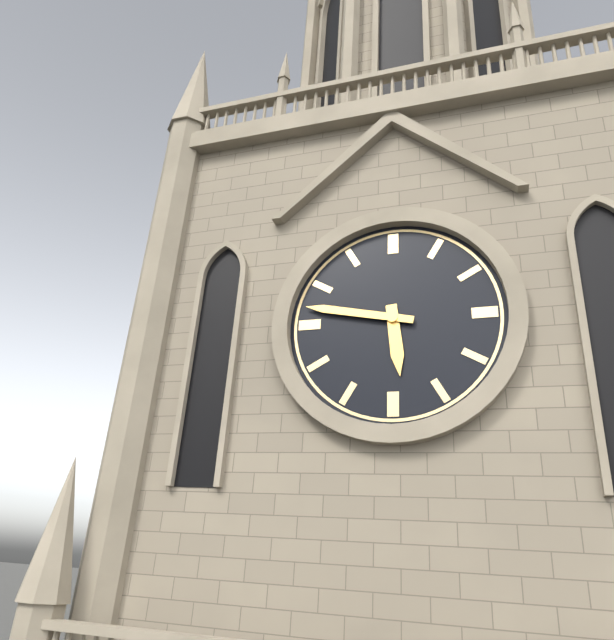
5:47
